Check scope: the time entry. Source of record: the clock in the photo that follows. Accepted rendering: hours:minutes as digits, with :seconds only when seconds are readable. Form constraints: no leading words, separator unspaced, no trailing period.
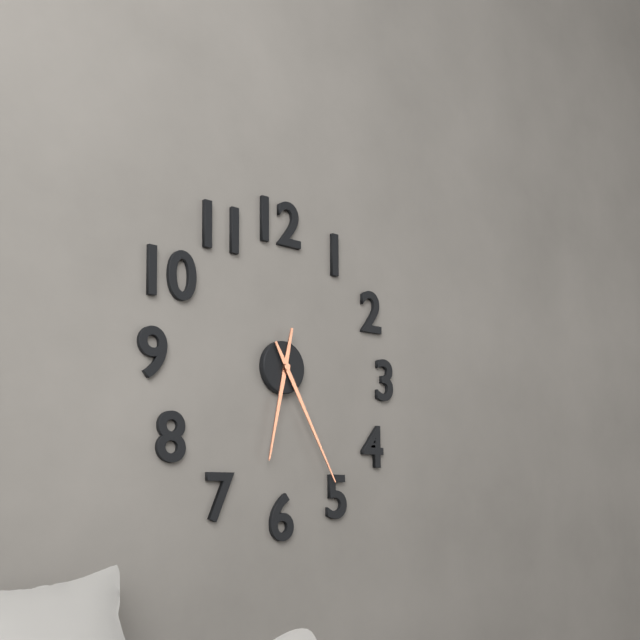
6:25
